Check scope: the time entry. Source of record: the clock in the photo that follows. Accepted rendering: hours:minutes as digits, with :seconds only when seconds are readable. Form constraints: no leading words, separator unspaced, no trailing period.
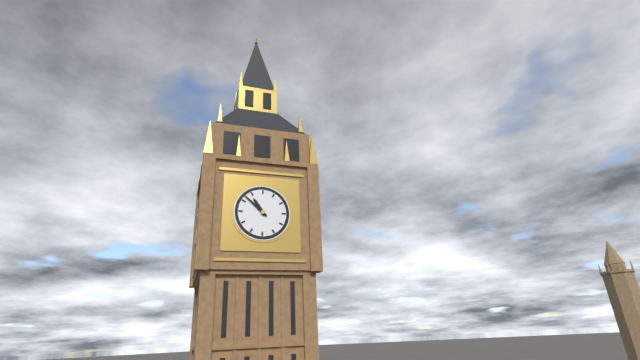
10:52
